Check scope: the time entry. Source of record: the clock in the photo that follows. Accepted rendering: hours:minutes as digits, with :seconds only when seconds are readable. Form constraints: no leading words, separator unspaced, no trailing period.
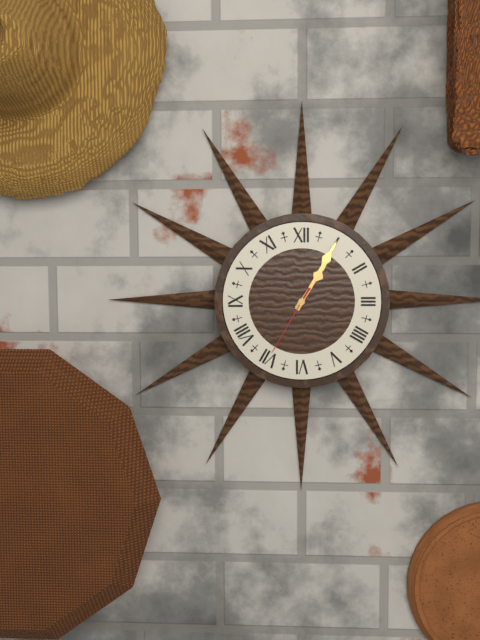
1:05:35
